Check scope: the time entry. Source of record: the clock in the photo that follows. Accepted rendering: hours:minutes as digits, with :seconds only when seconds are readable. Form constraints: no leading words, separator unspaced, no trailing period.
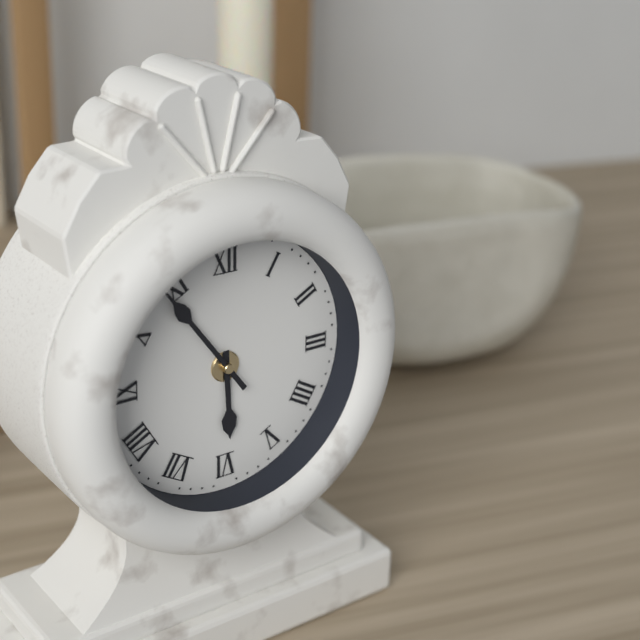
5:54
